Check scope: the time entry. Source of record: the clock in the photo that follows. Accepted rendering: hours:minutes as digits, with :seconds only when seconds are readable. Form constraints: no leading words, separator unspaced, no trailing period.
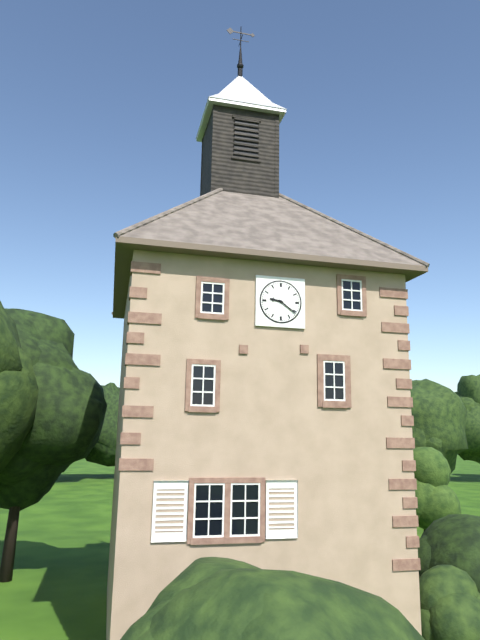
9:21
